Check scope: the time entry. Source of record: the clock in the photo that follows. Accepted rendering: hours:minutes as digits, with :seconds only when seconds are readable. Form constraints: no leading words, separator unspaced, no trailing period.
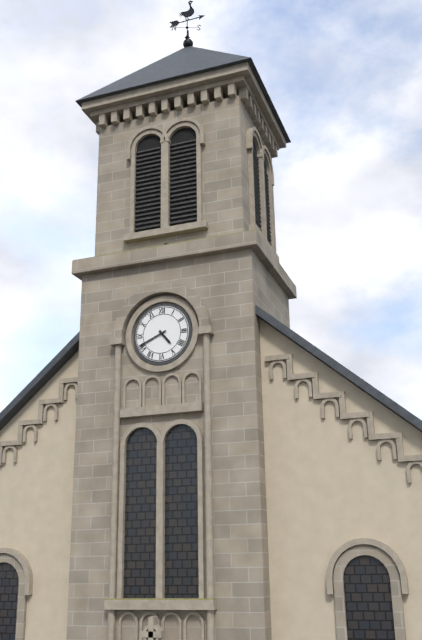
4:41
